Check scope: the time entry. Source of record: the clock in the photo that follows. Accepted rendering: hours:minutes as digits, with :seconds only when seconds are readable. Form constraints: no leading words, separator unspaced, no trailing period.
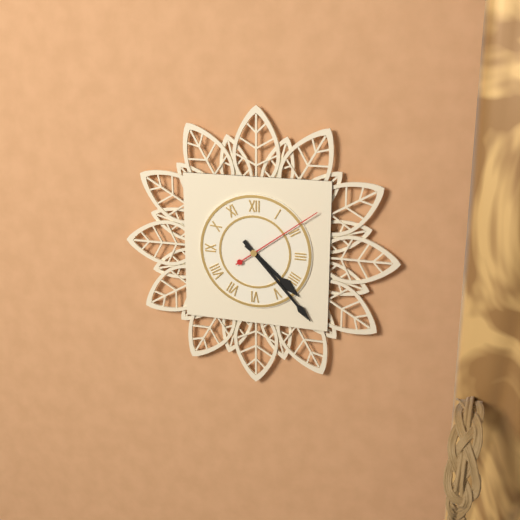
4:23:09
